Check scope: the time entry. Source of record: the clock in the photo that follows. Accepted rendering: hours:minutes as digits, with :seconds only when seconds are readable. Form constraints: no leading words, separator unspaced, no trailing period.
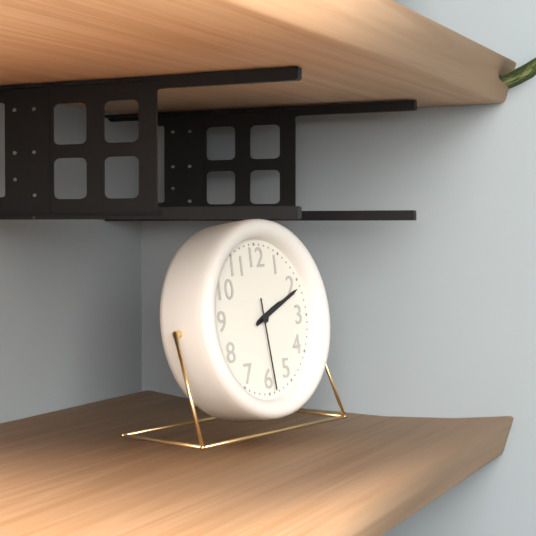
2:11:29
